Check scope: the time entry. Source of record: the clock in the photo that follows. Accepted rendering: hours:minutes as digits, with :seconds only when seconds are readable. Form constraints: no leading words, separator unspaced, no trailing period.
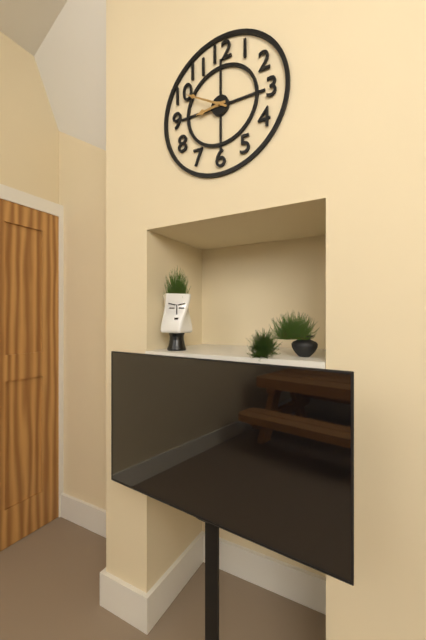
8:50
